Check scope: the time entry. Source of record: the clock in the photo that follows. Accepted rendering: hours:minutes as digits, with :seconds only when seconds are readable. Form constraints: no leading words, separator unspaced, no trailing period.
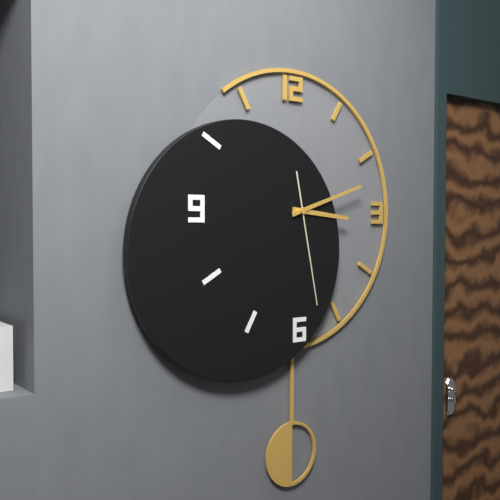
3:12:28
